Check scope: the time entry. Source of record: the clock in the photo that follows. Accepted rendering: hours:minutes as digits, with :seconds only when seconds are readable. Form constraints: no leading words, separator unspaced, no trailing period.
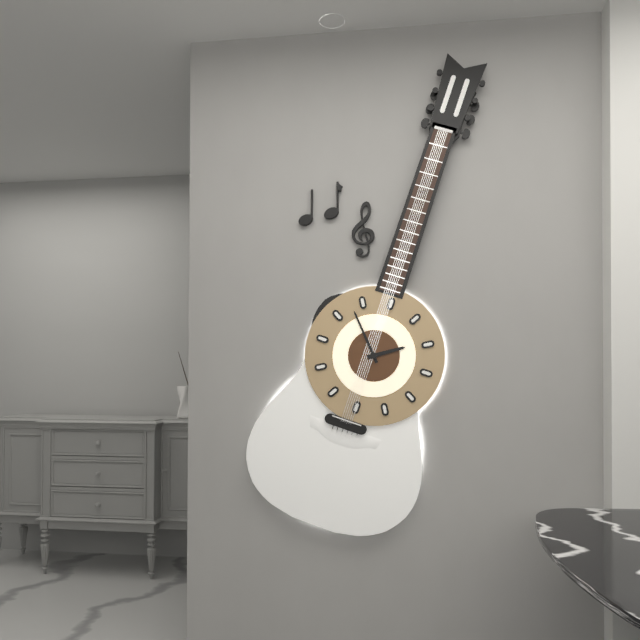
1:53
